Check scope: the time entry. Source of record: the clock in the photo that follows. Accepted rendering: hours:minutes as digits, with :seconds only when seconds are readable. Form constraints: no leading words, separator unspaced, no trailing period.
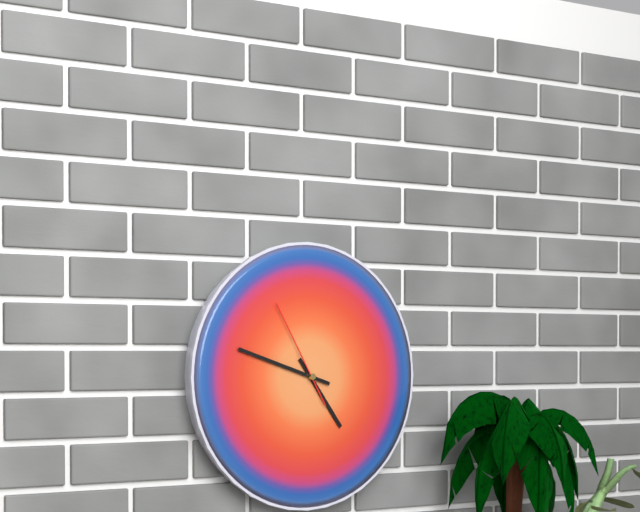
4:48:55
